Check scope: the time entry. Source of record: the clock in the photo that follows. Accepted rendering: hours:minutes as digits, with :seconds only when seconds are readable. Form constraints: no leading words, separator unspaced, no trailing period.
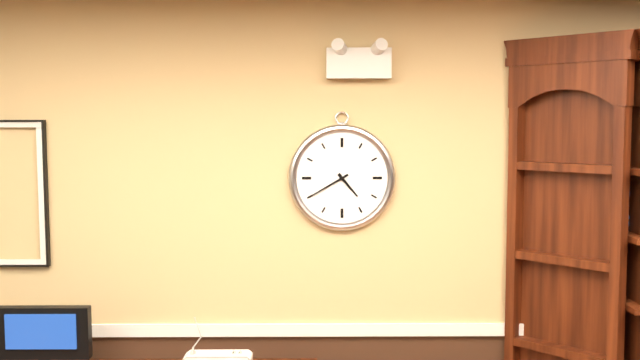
4:40
